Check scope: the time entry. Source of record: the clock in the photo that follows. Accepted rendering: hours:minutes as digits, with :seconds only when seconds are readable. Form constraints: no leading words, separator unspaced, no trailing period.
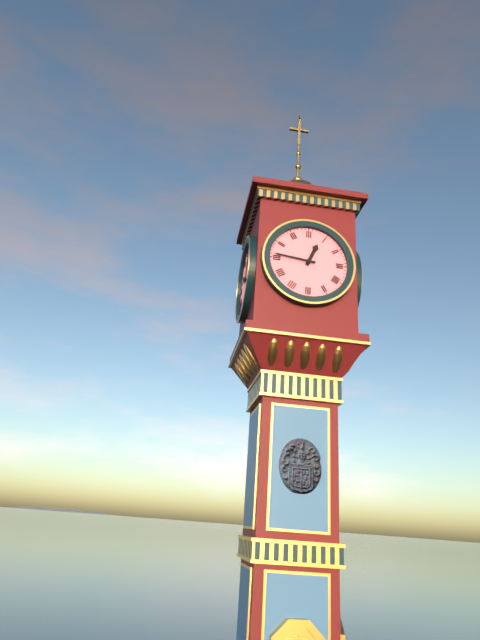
12:46
